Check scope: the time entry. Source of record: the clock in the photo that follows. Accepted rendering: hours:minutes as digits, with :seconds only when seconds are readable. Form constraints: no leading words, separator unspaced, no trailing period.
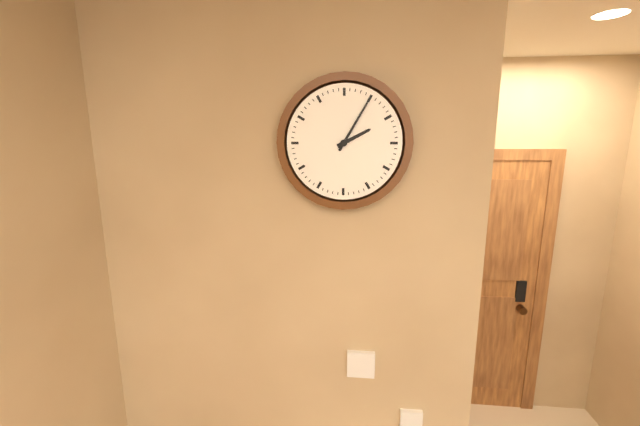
2:05
